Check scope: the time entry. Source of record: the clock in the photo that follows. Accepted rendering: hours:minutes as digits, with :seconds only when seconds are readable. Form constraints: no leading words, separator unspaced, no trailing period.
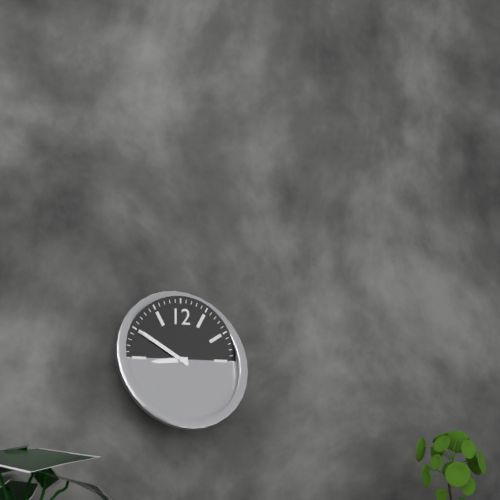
8:50
